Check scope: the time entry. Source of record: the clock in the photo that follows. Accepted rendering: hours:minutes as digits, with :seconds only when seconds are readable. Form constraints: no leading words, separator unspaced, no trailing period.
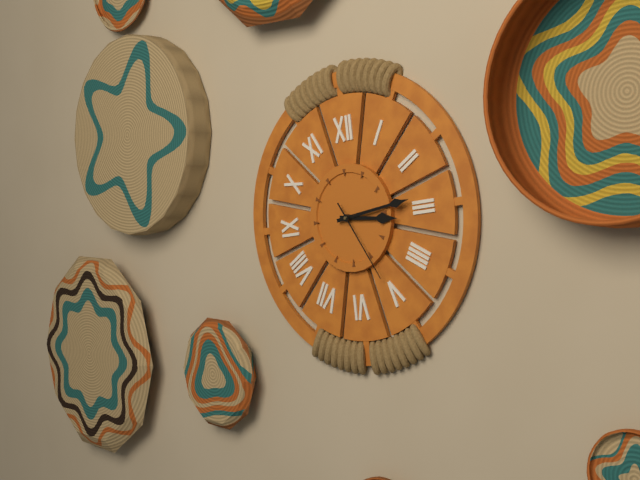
3:14:25
